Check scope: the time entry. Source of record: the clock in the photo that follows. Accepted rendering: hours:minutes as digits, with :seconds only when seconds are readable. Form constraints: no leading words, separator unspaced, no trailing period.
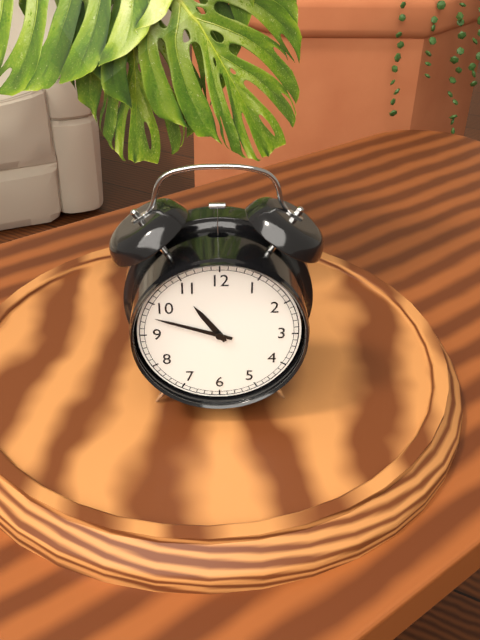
10:48
